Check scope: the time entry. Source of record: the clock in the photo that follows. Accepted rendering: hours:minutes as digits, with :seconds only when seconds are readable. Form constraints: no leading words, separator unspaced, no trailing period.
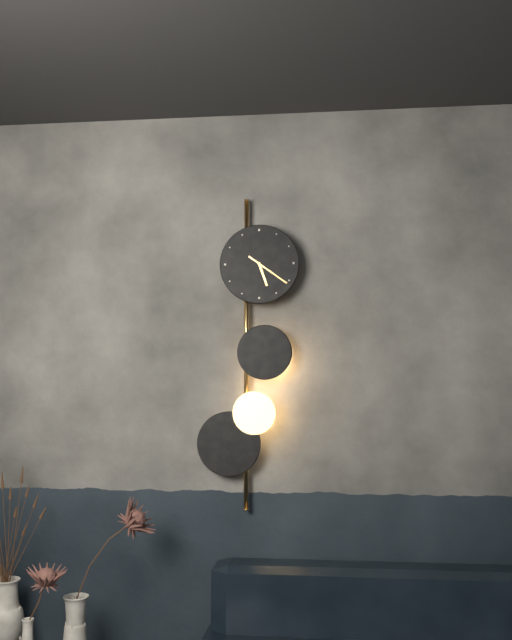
5:21
